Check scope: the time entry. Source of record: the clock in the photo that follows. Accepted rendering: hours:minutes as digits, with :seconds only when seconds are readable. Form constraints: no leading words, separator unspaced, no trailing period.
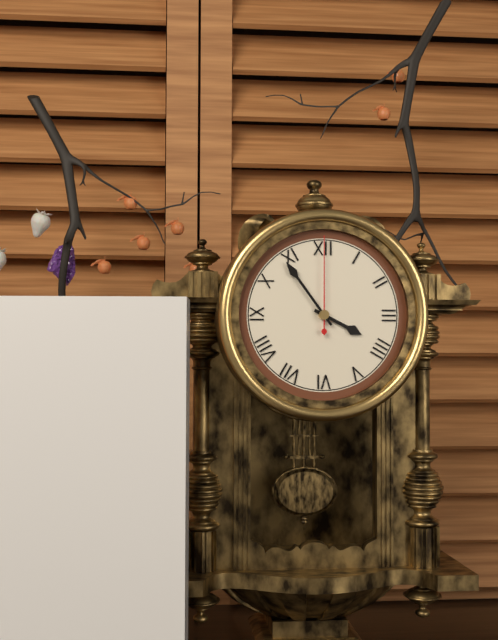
3:54:00
